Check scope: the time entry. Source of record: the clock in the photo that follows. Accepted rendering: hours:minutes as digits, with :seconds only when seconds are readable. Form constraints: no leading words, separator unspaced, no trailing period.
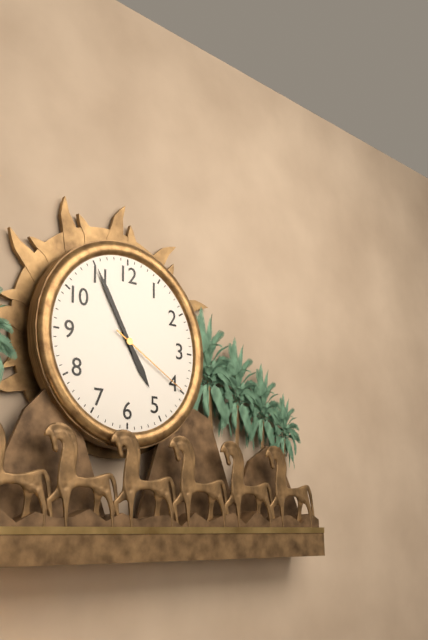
4:55:20
